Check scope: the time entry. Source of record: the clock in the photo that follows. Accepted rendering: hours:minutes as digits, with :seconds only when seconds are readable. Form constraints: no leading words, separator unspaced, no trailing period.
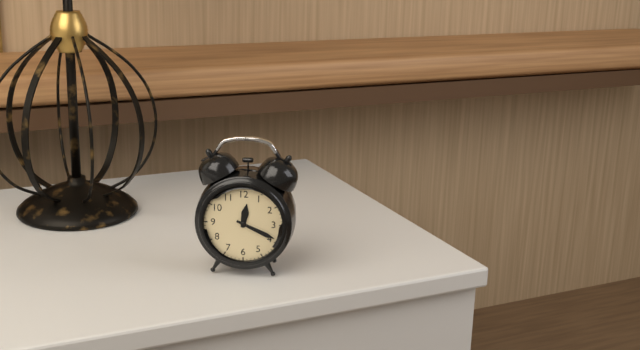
12:19
